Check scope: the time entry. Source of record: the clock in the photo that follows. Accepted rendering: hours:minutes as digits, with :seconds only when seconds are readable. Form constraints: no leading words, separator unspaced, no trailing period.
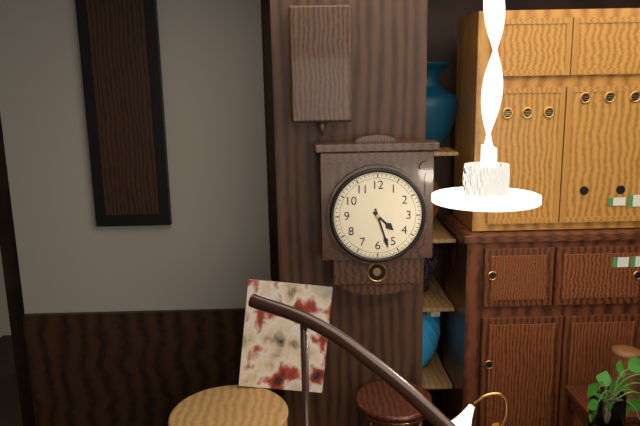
4:27
